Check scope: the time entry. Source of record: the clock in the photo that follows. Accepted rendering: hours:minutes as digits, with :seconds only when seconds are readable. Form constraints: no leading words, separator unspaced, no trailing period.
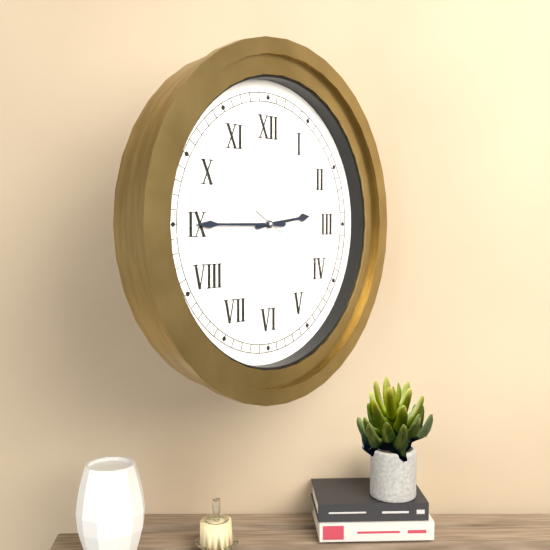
2:45:20
